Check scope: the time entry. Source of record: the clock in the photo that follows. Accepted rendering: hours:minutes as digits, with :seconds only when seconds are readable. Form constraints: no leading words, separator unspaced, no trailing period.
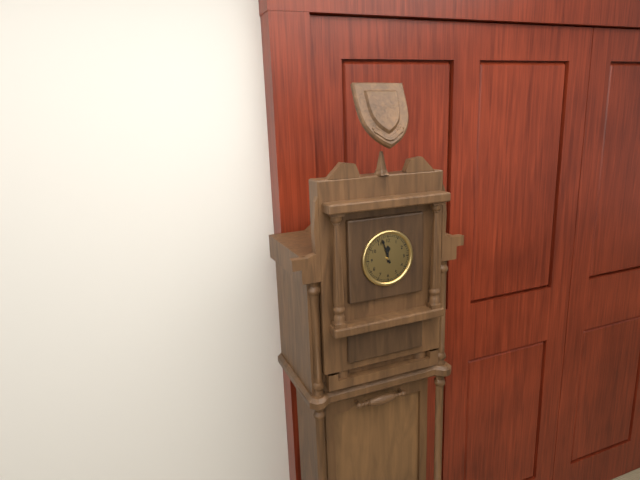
11:57
